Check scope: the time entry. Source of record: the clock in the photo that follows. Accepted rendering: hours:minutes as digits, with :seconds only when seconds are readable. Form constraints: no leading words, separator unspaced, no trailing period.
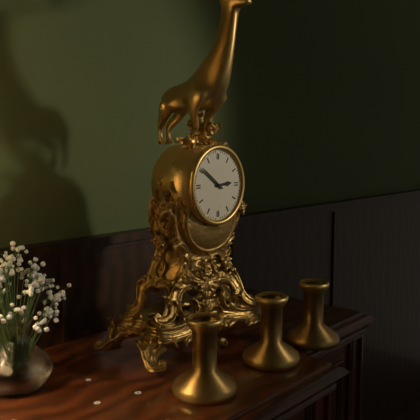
2:51
